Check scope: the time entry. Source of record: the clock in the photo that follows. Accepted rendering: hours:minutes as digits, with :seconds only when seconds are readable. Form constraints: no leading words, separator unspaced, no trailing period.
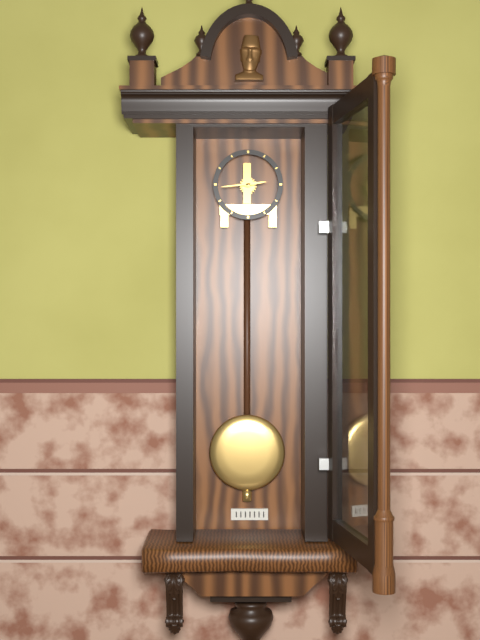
2:44
